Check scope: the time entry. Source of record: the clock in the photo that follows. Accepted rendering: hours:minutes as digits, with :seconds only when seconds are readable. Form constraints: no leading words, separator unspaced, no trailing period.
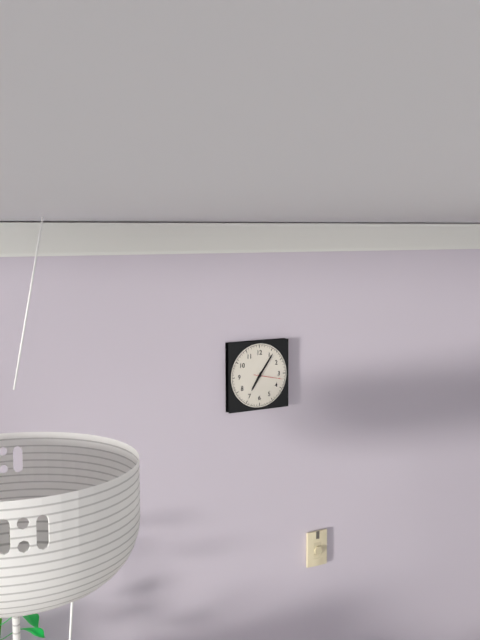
7:06
